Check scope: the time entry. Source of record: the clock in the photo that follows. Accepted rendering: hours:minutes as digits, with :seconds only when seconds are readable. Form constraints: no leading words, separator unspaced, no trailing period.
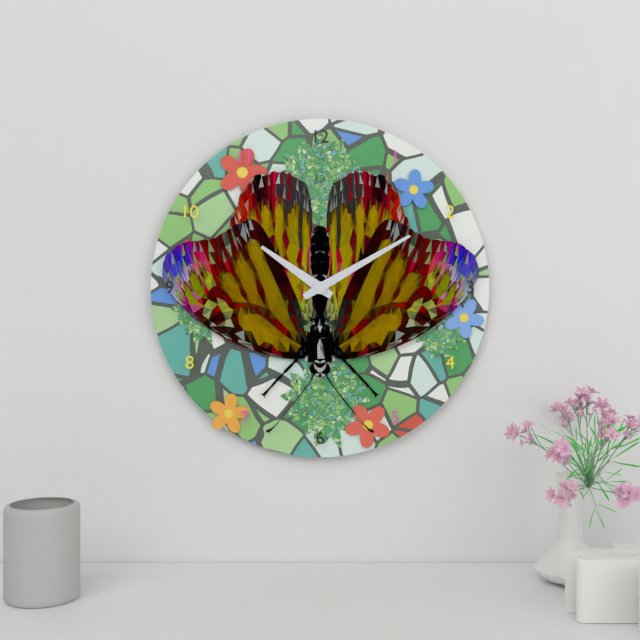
10:10
